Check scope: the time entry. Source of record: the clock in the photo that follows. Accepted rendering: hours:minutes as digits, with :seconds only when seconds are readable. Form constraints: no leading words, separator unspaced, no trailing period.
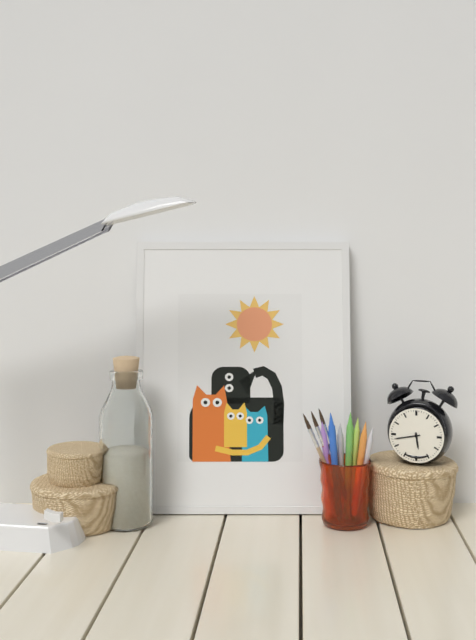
5:43
